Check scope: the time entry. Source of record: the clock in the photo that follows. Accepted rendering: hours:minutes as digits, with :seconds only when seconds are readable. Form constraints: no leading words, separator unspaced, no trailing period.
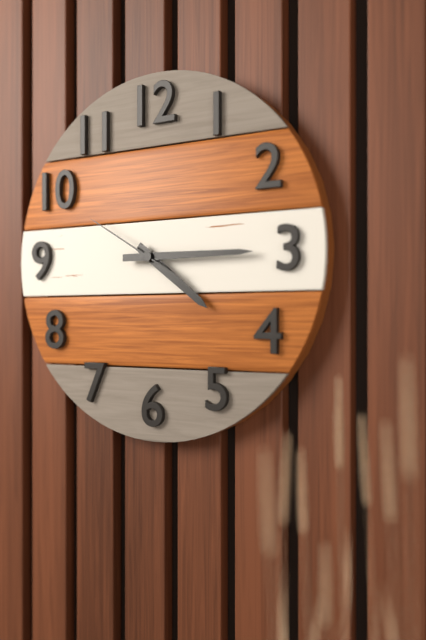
4:15:50
